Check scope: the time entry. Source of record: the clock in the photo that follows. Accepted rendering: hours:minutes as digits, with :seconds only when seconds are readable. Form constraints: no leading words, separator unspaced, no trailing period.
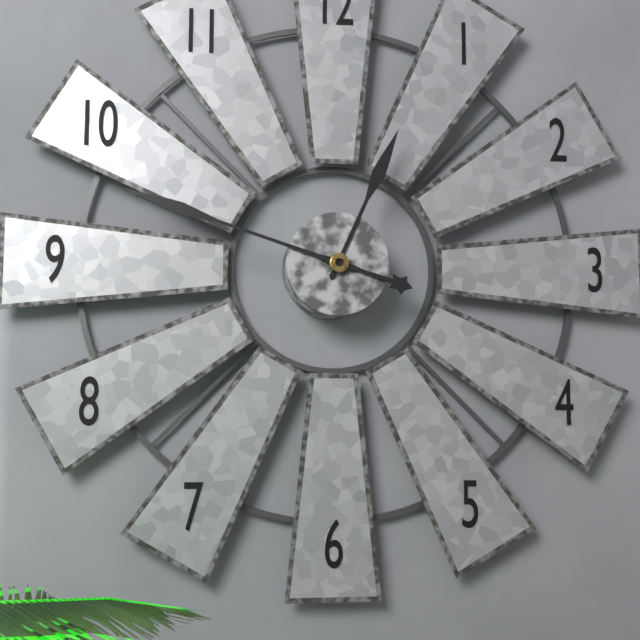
12:48
